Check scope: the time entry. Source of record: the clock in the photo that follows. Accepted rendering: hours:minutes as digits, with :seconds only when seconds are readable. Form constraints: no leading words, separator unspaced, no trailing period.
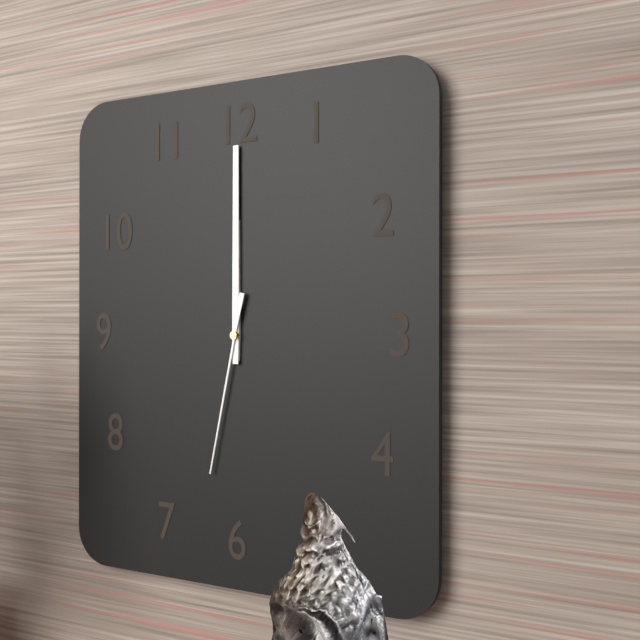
12:00:32
